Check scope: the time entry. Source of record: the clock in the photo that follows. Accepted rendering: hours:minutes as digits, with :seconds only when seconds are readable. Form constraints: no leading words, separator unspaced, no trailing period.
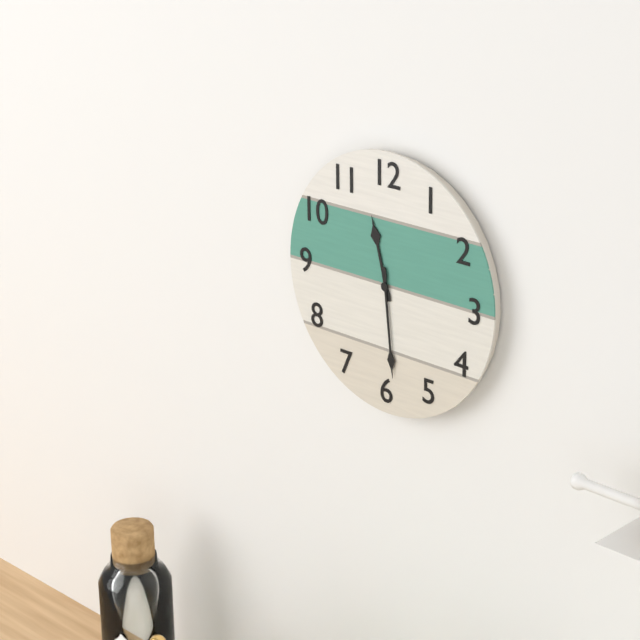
11:29
